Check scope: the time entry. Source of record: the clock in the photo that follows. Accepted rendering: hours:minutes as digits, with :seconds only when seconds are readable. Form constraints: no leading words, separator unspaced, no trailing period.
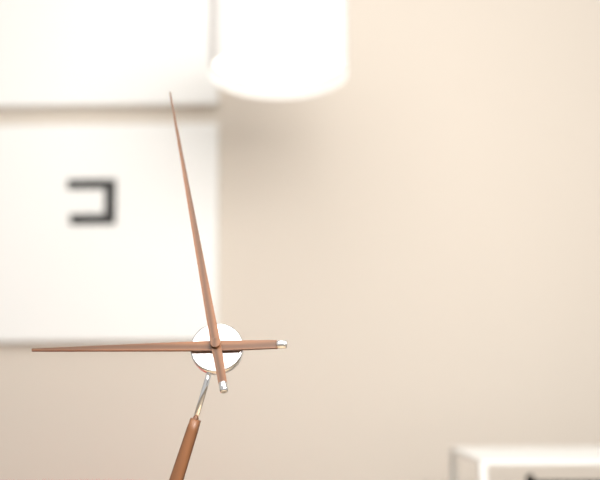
8:58
